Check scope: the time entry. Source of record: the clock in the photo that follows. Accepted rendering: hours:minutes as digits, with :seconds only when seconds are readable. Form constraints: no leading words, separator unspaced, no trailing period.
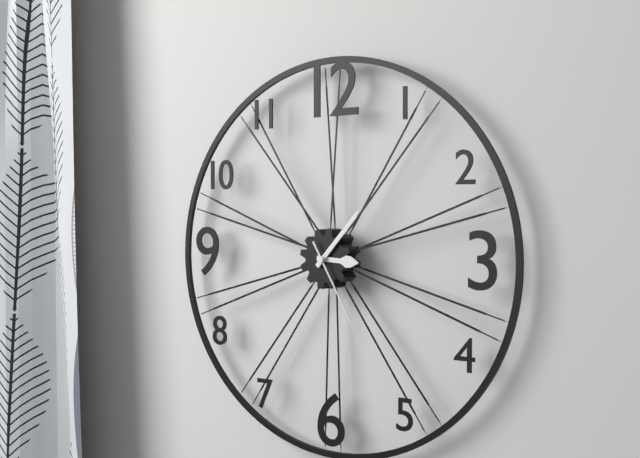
3:07:25
